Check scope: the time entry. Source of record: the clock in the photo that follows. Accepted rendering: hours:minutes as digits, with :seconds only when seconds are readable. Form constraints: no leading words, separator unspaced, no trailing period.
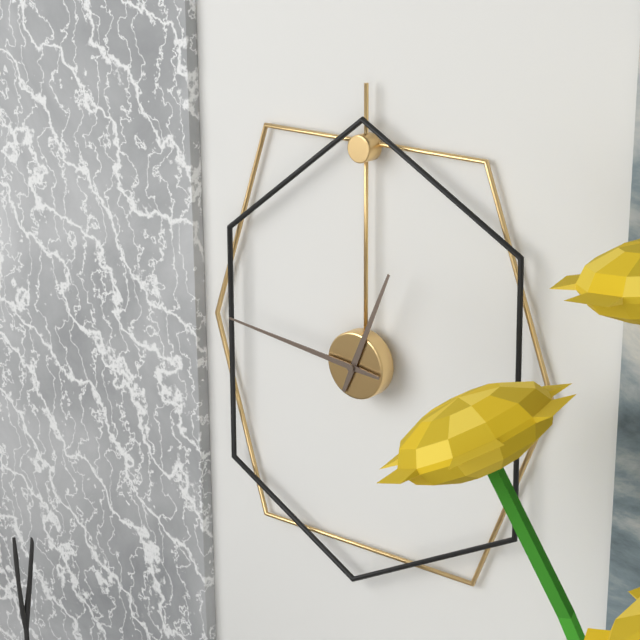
12:46
